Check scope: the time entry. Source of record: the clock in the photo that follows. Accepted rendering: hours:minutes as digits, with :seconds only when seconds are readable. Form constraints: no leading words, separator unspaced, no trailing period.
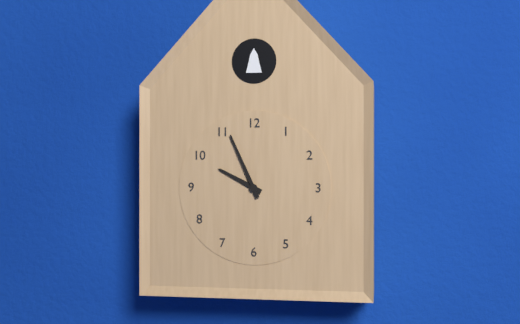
9:56
